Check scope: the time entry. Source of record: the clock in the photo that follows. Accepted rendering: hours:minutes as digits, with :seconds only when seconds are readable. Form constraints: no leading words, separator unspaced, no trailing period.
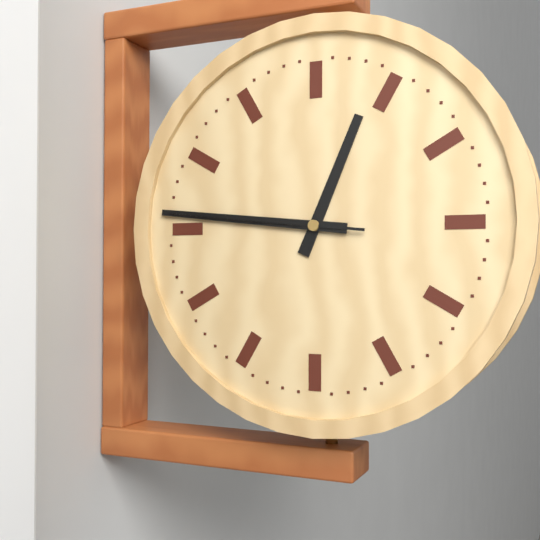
12:46:46
